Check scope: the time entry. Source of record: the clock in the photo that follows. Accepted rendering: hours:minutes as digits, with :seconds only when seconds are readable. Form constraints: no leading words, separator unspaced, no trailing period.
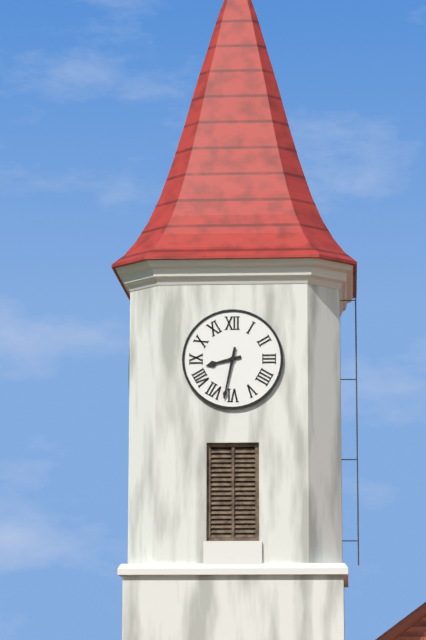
8:32
